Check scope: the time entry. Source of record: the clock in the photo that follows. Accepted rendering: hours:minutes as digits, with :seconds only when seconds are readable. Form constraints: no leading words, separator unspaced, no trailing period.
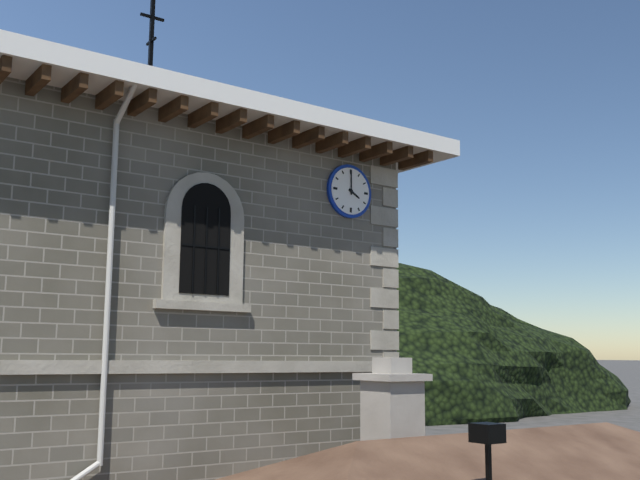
4:00
